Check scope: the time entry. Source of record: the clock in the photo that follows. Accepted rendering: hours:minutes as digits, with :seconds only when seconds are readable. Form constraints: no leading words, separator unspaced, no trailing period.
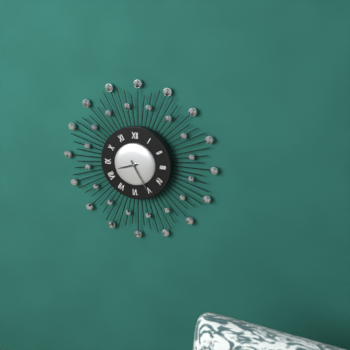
8:25
